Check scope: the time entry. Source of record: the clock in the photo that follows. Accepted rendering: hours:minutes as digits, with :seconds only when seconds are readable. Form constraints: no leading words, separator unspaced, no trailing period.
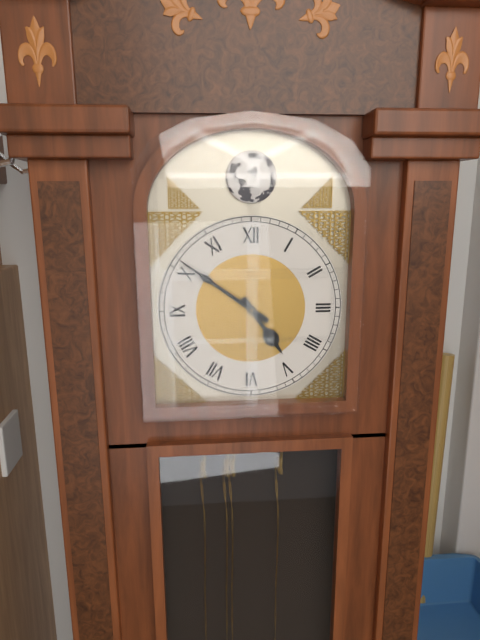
4:51
